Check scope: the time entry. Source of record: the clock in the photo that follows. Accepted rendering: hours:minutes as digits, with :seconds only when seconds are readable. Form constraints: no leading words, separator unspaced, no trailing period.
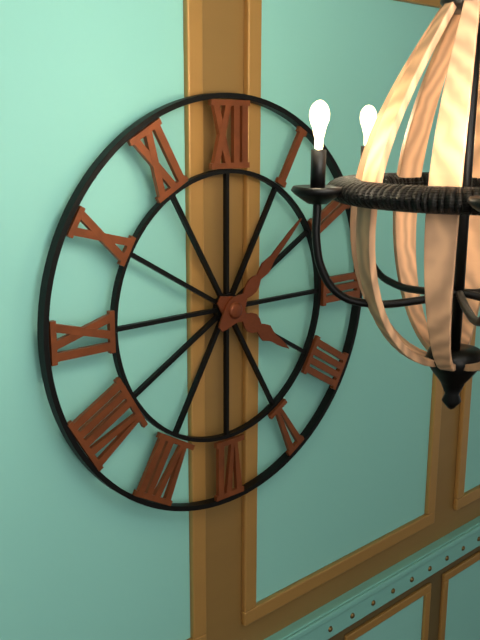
4:08
